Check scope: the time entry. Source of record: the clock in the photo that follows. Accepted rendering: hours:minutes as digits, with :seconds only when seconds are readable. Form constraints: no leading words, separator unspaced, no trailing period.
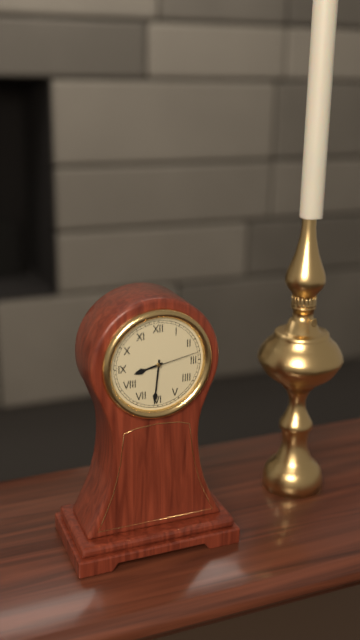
8:31:13
